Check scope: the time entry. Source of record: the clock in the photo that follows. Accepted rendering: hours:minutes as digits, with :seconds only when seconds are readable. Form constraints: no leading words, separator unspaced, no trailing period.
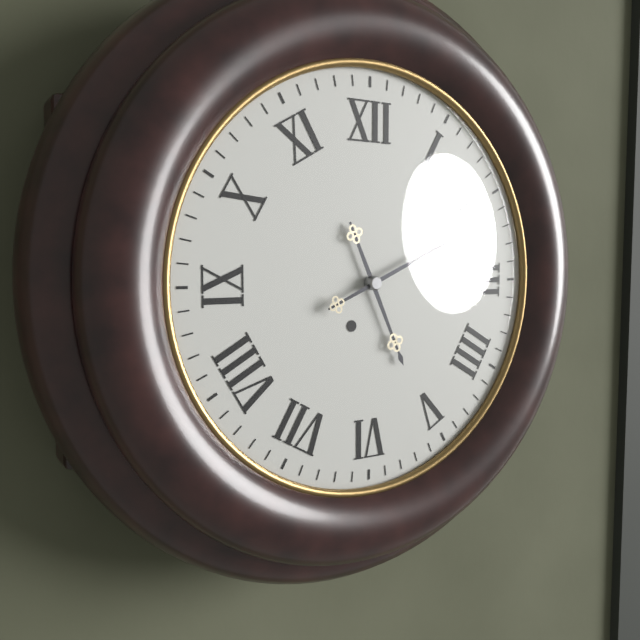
5:11
